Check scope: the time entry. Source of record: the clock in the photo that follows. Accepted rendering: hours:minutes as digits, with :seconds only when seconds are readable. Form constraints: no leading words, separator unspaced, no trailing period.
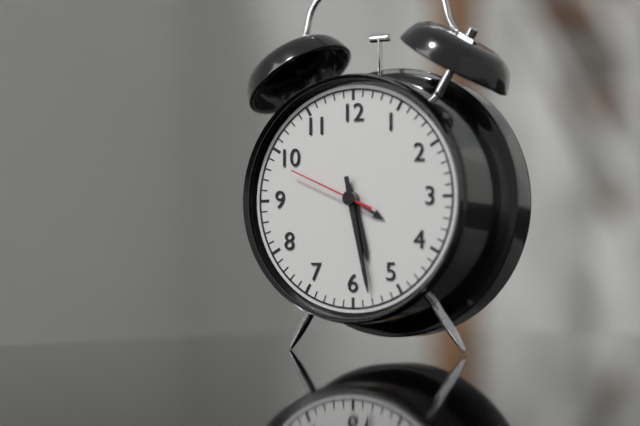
5:28:49
